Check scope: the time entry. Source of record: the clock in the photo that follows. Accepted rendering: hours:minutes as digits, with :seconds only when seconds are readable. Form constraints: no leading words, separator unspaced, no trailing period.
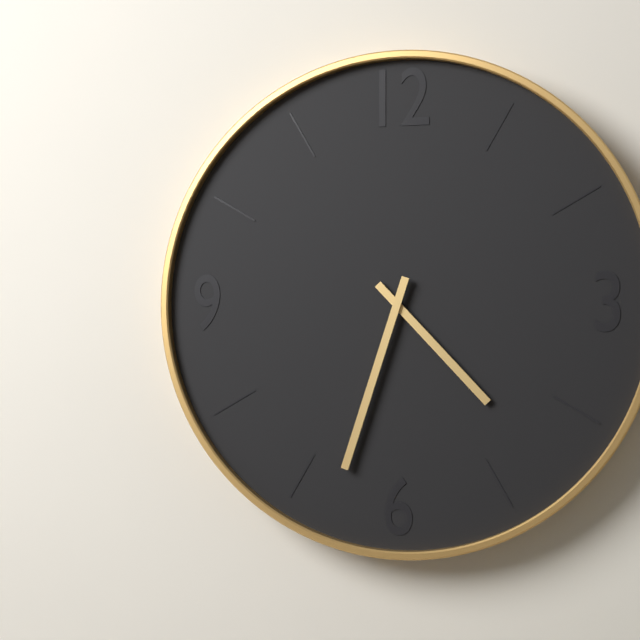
4:33
